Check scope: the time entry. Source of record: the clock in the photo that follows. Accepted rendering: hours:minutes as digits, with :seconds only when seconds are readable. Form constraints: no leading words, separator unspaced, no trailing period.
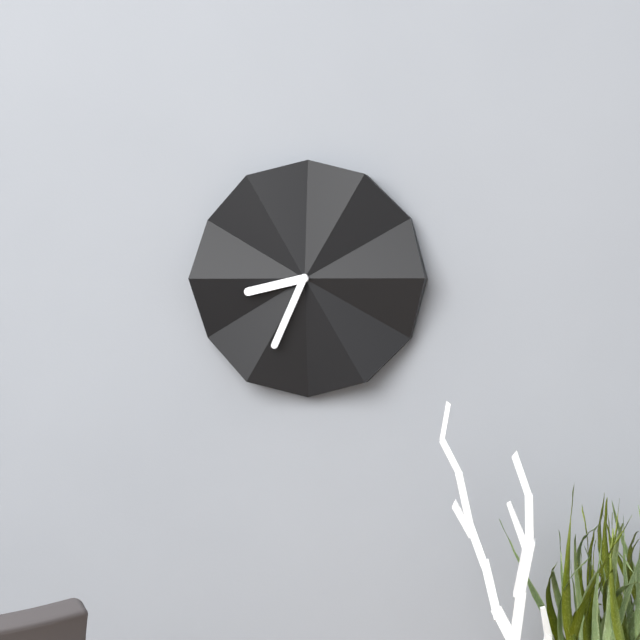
8:34
